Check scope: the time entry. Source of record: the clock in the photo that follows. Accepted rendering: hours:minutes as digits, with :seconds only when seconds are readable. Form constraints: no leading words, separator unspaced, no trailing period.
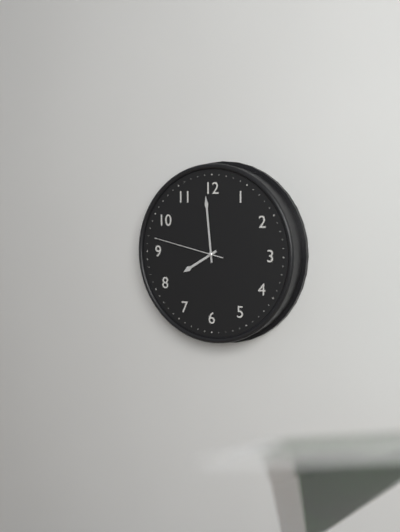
7:59:47
